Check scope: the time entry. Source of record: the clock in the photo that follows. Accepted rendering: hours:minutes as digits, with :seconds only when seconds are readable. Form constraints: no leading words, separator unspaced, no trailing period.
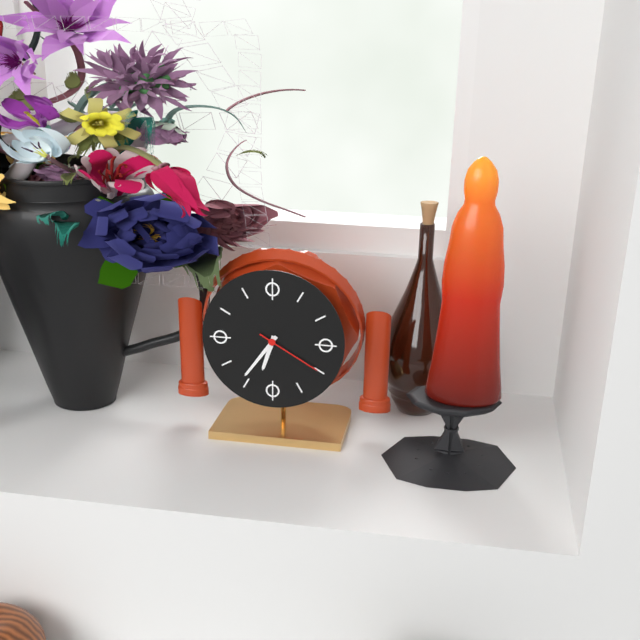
6:36:20
